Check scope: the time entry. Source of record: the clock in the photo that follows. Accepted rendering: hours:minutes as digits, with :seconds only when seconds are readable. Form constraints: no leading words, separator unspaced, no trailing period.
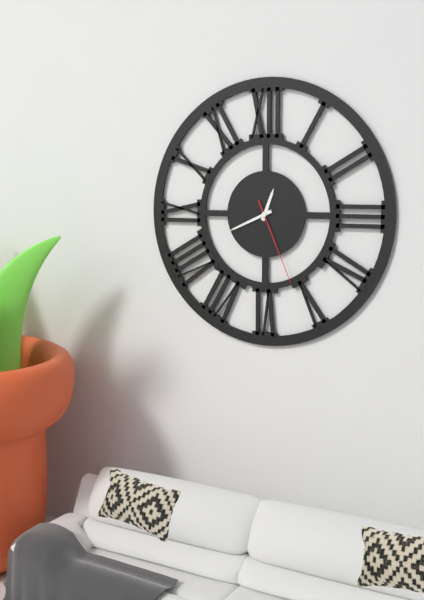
12:41:26
